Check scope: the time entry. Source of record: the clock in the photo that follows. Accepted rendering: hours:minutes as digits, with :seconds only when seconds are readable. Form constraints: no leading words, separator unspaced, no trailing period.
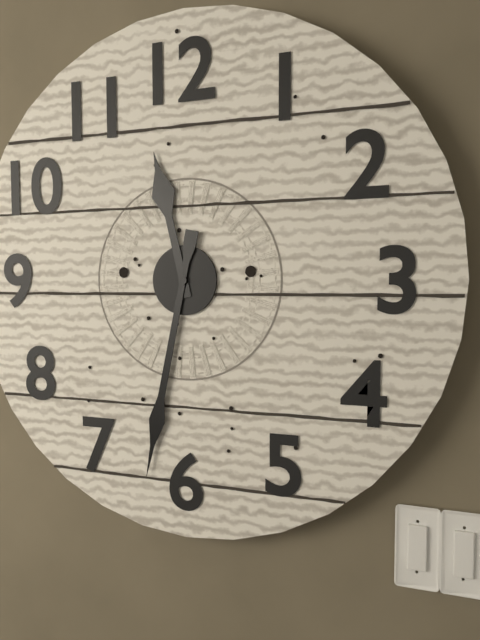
11:32
